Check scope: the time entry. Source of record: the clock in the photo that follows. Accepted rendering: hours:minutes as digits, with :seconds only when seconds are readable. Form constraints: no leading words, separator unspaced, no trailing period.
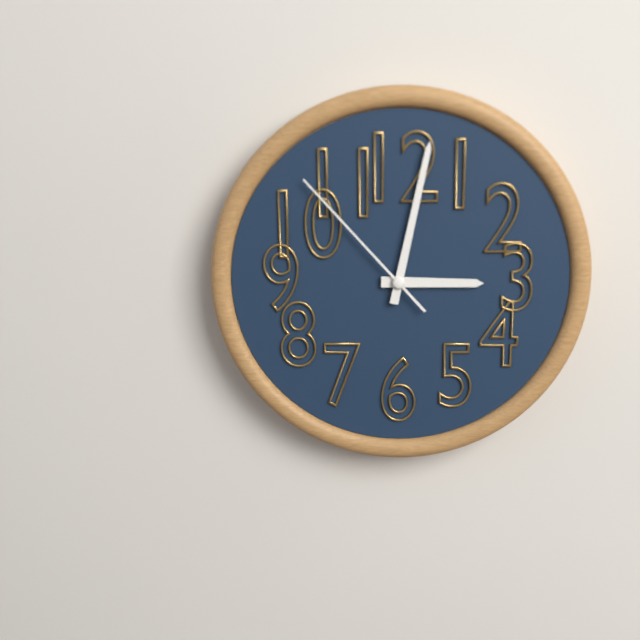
3:02:53
